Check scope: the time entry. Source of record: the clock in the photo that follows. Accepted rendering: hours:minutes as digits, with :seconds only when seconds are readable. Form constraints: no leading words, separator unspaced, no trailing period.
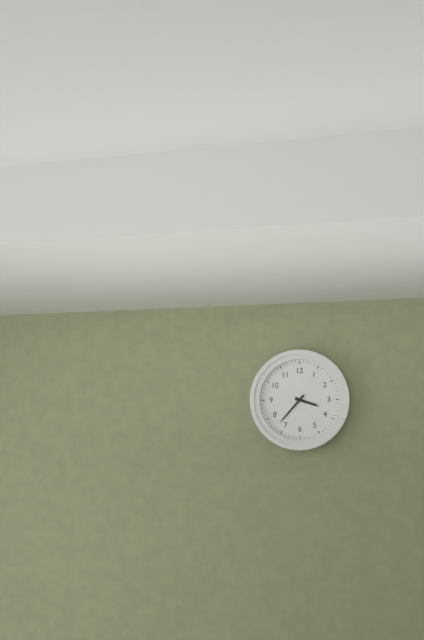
3:37
